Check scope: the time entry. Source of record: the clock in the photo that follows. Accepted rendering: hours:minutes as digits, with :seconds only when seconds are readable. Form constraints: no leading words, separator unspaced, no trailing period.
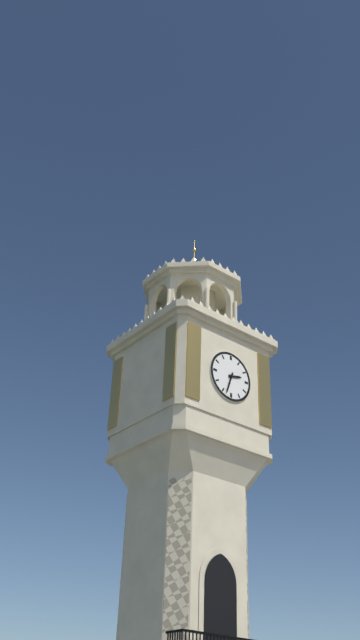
2:33
